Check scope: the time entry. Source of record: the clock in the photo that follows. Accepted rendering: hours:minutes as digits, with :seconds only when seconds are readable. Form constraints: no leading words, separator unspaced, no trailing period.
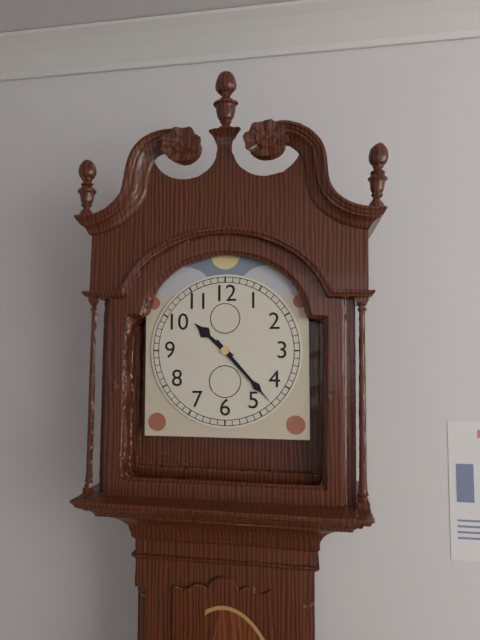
10:23
